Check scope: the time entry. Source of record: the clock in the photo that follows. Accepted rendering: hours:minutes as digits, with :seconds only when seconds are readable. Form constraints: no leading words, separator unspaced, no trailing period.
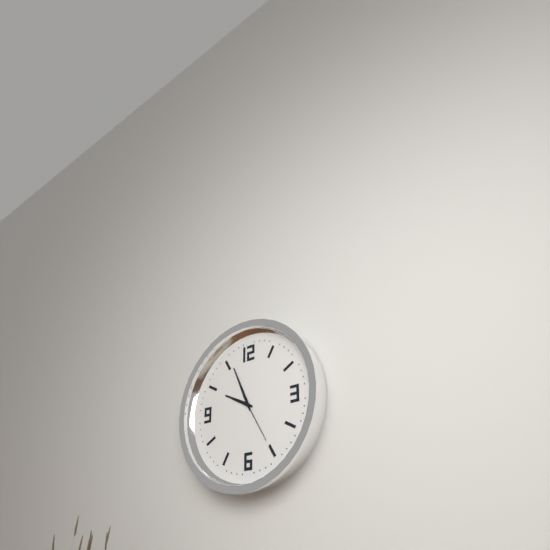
9:56
